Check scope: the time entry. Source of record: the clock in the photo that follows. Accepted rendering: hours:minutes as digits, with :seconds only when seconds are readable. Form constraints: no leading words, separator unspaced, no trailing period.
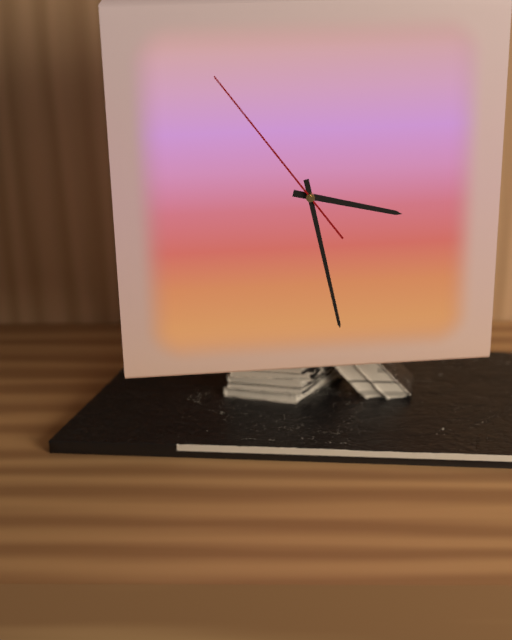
3:28:54
